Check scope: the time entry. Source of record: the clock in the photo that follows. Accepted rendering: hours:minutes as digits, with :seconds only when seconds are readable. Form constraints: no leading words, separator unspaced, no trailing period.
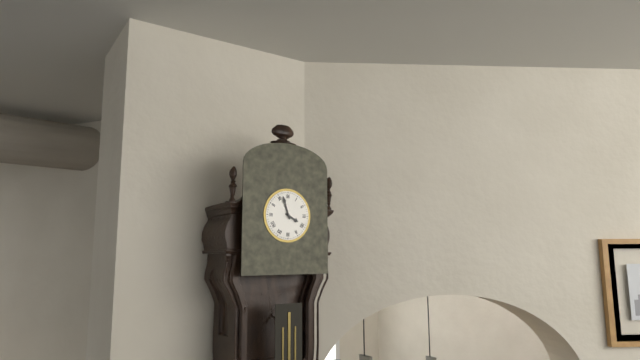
3:57
